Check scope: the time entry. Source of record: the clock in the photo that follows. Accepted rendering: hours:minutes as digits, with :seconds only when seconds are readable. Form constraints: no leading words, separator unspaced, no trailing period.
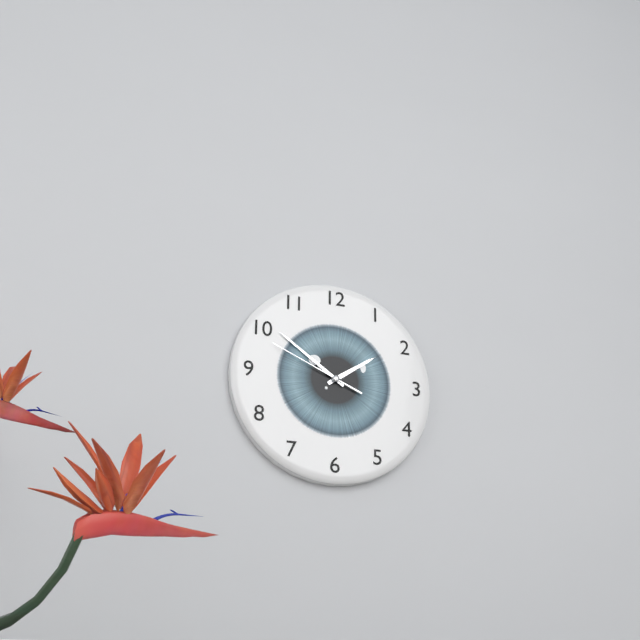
1:51:49
